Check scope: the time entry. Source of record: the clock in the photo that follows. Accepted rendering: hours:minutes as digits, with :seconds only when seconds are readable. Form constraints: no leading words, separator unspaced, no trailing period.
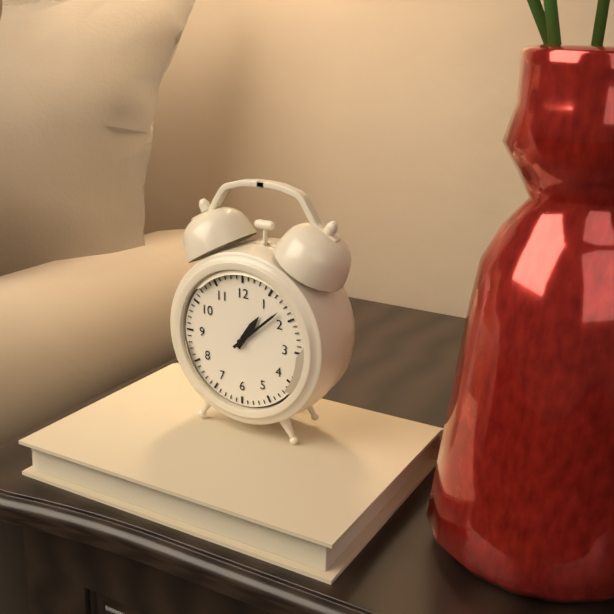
1:08
